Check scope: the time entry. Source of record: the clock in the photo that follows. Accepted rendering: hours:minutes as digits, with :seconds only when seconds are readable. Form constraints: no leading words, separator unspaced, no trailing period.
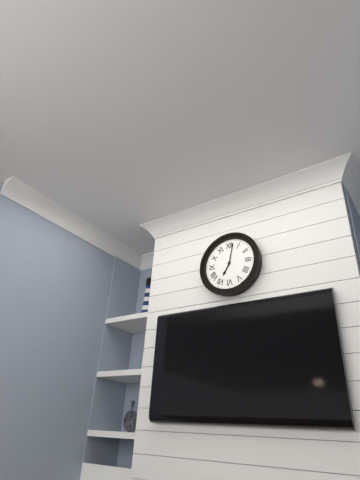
7:02
